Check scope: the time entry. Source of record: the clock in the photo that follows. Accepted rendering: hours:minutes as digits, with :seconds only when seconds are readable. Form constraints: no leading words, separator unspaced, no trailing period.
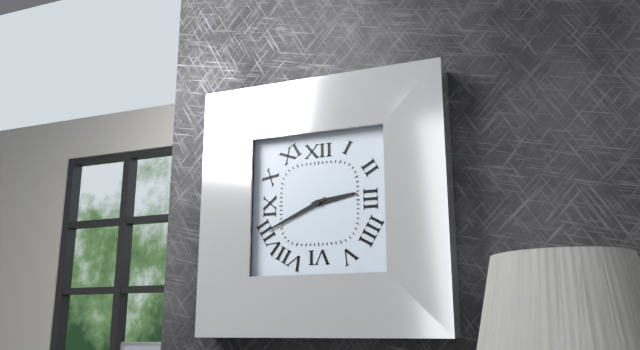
2:41
